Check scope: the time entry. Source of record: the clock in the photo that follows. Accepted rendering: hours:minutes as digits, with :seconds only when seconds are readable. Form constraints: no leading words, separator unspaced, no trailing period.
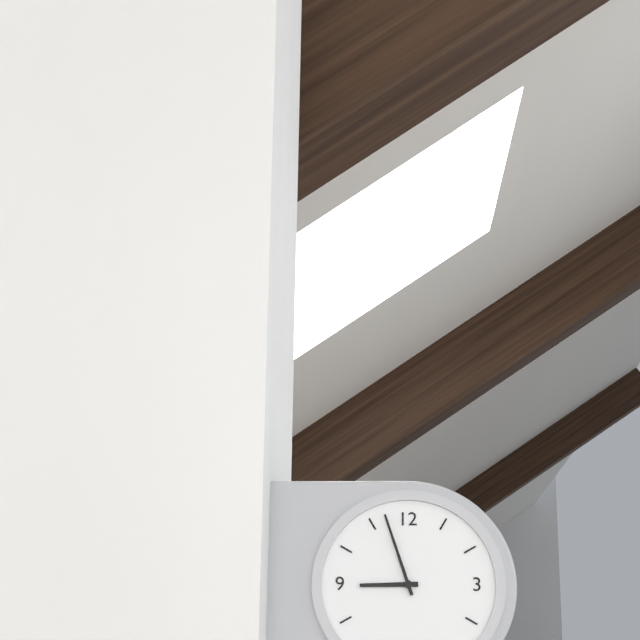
8:57
